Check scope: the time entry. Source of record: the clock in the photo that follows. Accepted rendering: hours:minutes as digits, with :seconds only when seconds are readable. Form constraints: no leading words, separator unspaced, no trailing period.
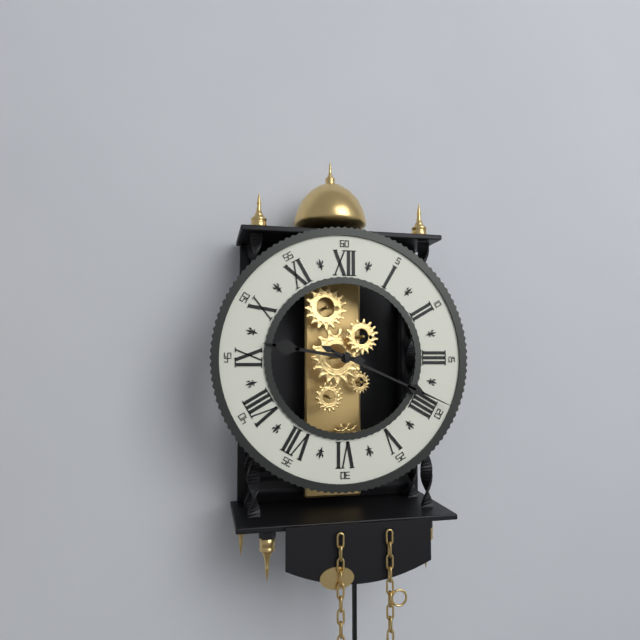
9:19
